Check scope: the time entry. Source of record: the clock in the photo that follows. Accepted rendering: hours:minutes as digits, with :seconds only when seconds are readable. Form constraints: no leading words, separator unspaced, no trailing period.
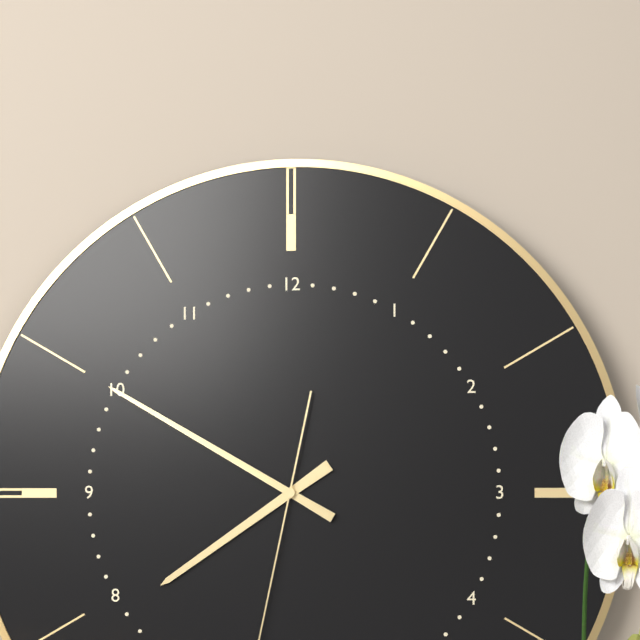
7:50
